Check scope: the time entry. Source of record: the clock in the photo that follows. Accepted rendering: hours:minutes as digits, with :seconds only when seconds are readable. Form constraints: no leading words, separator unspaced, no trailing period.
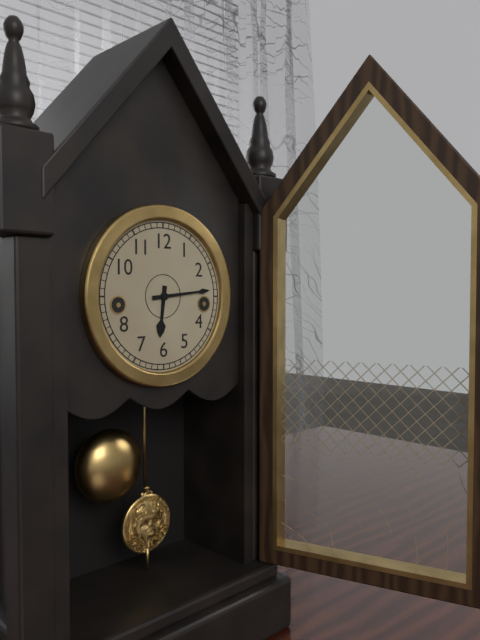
6:14
